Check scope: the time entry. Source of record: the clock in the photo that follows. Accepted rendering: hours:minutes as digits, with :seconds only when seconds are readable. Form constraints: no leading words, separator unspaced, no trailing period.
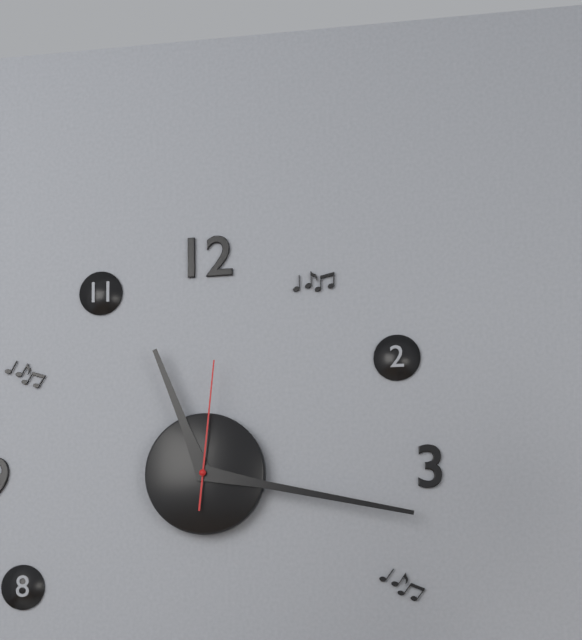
11:17:01
